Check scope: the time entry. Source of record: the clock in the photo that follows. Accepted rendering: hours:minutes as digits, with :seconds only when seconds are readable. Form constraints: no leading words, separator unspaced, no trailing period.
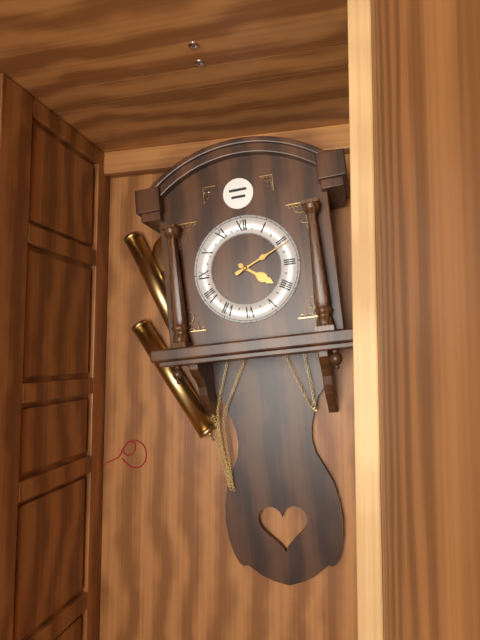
4:11
